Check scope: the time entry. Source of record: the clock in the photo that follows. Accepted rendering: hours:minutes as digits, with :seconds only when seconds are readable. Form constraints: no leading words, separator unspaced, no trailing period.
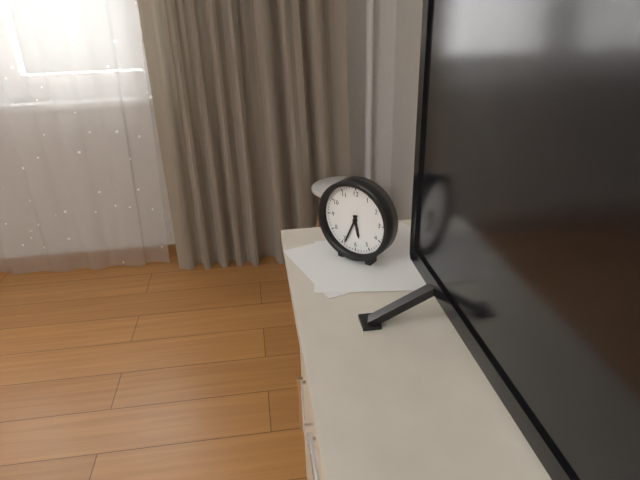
5:34
